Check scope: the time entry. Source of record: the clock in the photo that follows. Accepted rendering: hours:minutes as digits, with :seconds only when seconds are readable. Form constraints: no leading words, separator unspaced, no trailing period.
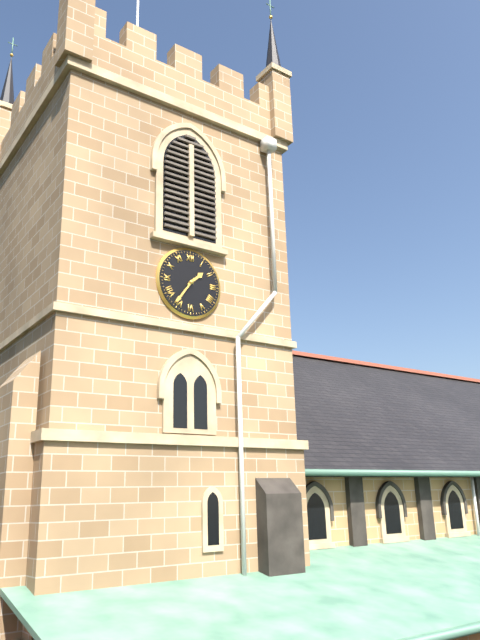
1:36
